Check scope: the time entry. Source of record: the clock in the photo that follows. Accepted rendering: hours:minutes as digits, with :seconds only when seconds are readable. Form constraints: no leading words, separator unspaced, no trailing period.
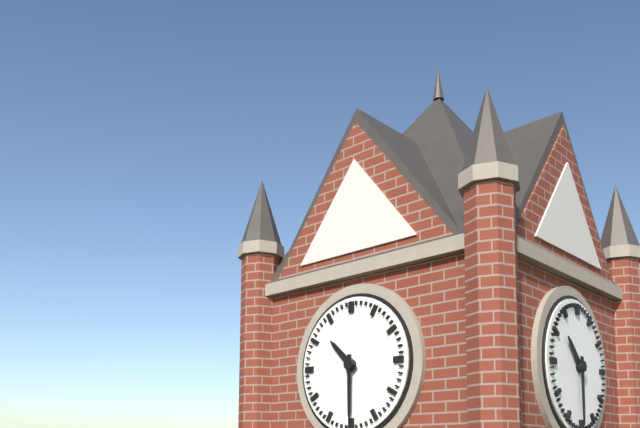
10:30
